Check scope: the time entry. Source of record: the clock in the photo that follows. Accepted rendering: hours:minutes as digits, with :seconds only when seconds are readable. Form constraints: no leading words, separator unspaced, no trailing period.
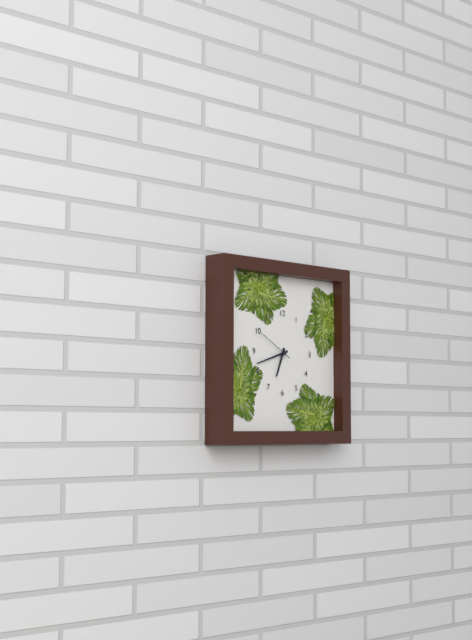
6:42
